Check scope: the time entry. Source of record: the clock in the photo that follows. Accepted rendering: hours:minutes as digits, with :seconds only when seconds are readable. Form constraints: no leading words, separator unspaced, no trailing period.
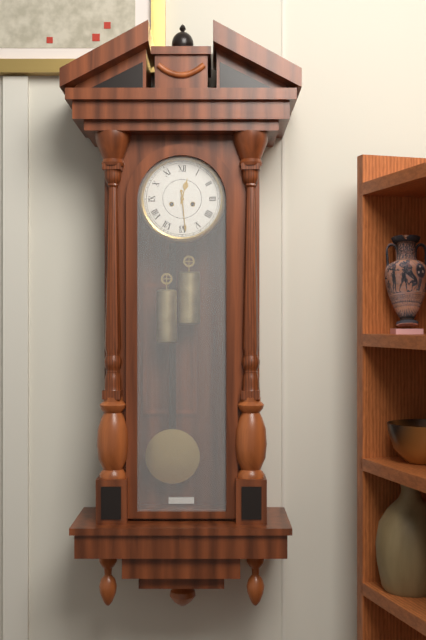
12:29
